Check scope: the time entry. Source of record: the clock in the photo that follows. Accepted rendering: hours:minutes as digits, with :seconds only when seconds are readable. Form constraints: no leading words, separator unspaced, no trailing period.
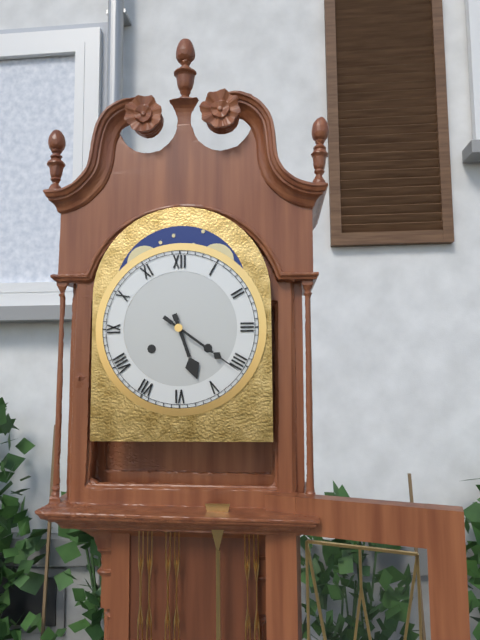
5:21
